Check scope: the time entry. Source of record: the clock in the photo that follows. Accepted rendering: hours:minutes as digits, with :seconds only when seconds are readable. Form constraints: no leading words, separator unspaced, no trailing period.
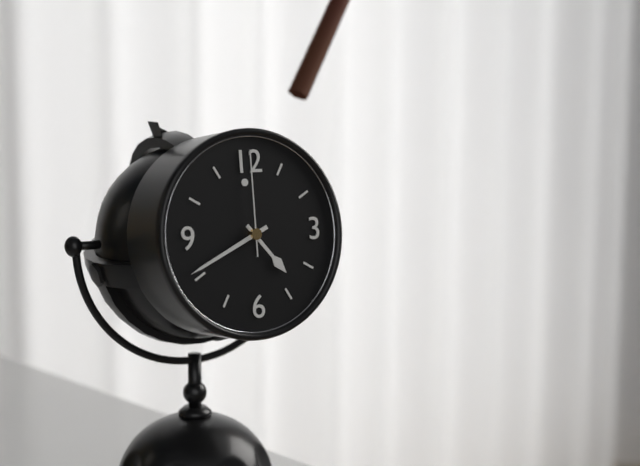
4:41:00
